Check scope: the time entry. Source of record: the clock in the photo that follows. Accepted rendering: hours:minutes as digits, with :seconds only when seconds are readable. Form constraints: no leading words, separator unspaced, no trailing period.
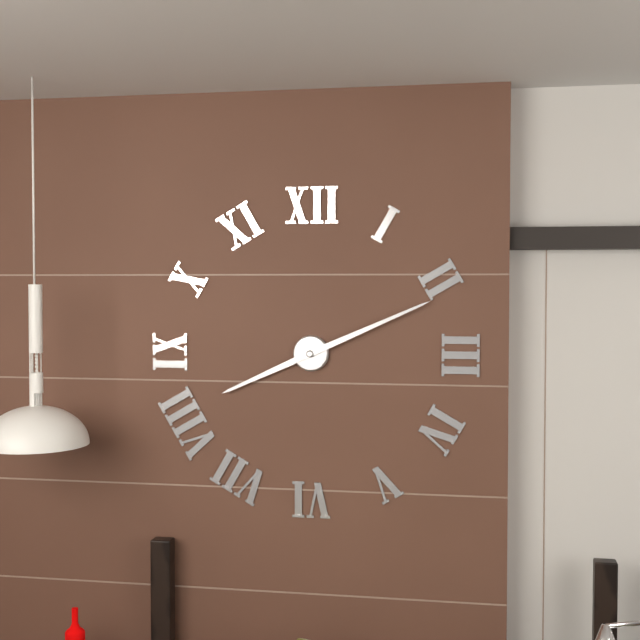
8:11
